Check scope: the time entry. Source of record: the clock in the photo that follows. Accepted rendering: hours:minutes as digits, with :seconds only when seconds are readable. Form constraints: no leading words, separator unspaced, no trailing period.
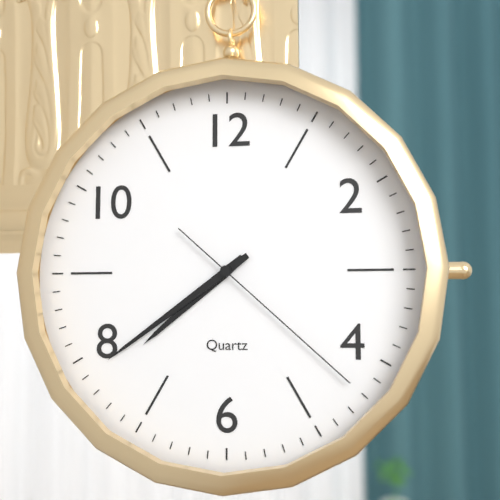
7:39:22
